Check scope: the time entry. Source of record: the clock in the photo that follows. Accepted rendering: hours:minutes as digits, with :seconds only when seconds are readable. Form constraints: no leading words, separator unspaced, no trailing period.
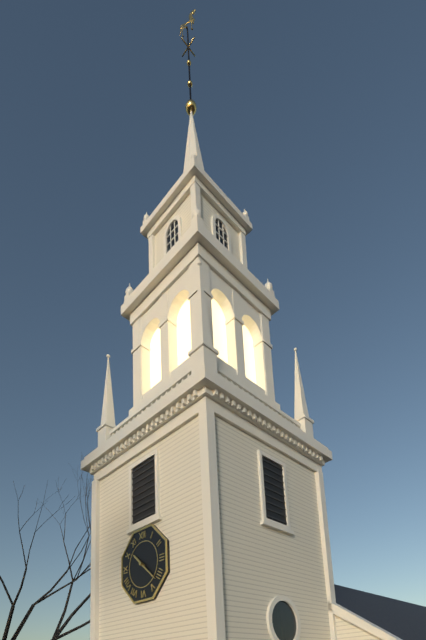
10:22
